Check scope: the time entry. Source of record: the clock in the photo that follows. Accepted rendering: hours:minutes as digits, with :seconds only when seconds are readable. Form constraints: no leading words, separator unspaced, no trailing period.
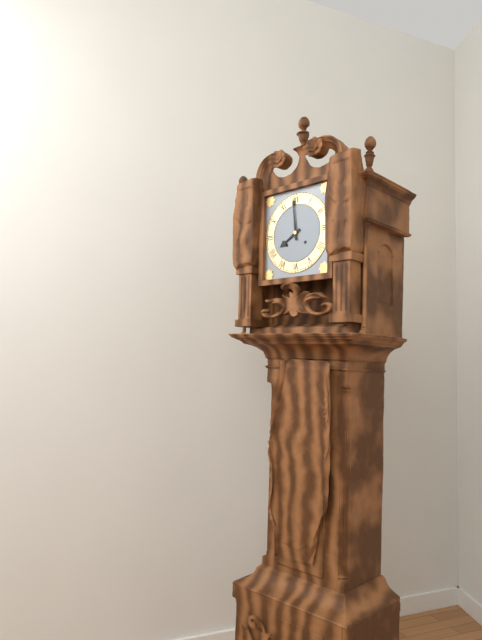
7:59
